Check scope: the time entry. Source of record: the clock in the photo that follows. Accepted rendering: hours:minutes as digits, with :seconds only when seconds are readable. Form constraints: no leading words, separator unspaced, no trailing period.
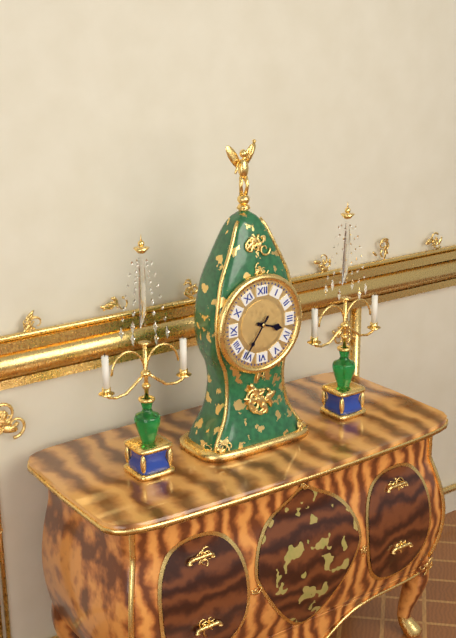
3:36
